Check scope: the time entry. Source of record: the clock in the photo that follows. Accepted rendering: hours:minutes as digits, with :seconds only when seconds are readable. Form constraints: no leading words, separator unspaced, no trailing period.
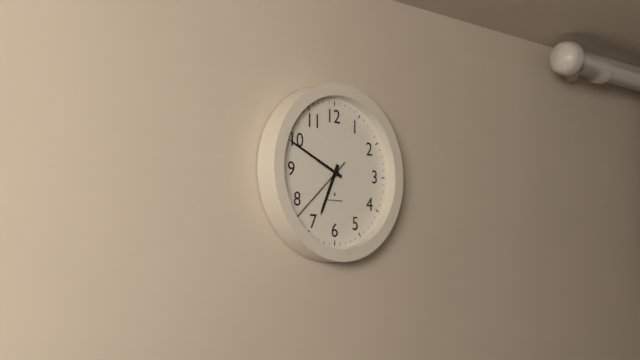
6:49:38
